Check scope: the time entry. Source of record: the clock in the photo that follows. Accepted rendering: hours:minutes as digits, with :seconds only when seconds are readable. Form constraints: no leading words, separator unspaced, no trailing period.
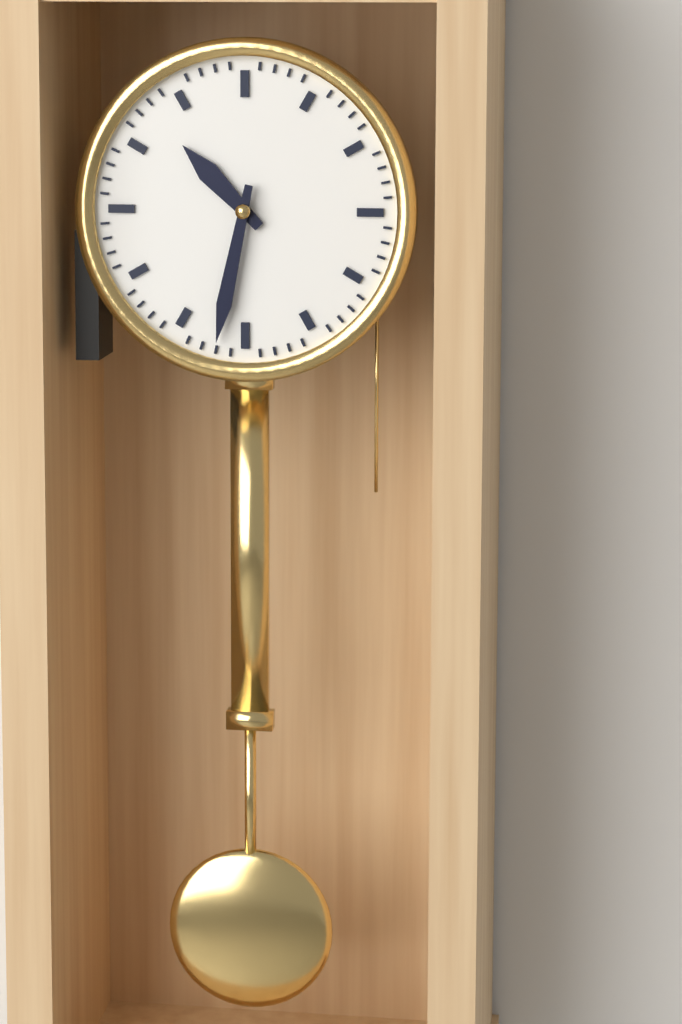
10:32
